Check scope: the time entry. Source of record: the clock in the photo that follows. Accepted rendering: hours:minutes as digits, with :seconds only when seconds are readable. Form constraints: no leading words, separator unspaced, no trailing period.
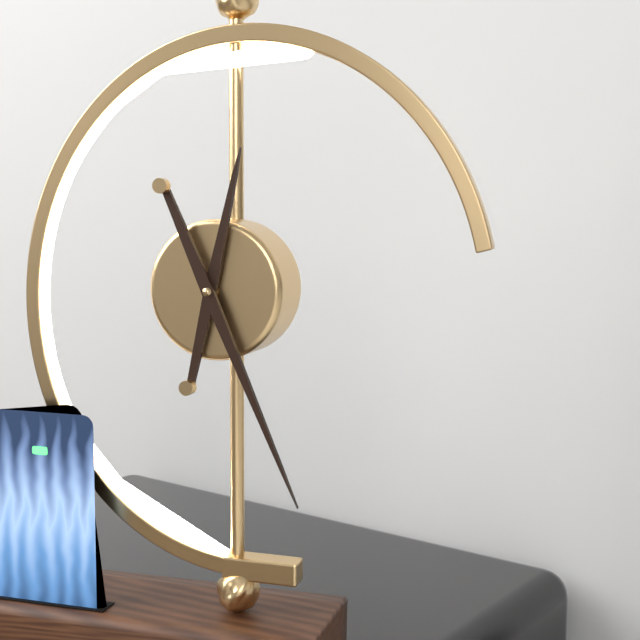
12:26
